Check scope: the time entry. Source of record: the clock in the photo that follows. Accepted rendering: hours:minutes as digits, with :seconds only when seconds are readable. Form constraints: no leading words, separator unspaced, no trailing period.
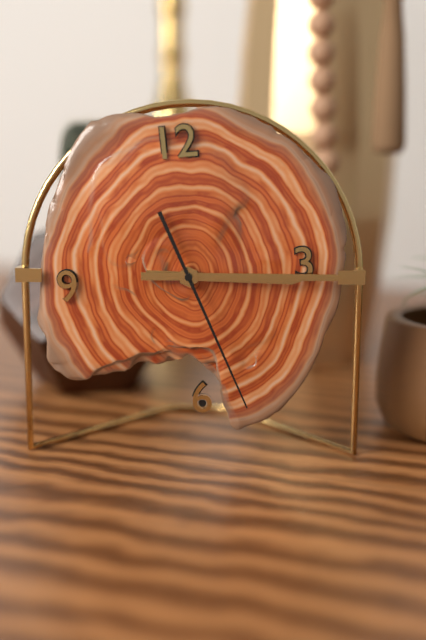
3:16:27
